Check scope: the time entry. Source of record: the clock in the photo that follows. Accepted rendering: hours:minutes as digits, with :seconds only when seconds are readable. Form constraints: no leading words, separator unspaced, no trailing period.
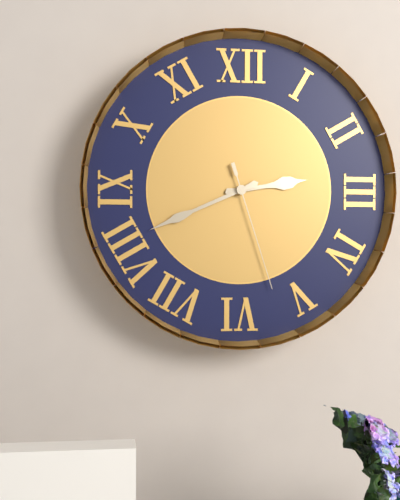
2:41:27
